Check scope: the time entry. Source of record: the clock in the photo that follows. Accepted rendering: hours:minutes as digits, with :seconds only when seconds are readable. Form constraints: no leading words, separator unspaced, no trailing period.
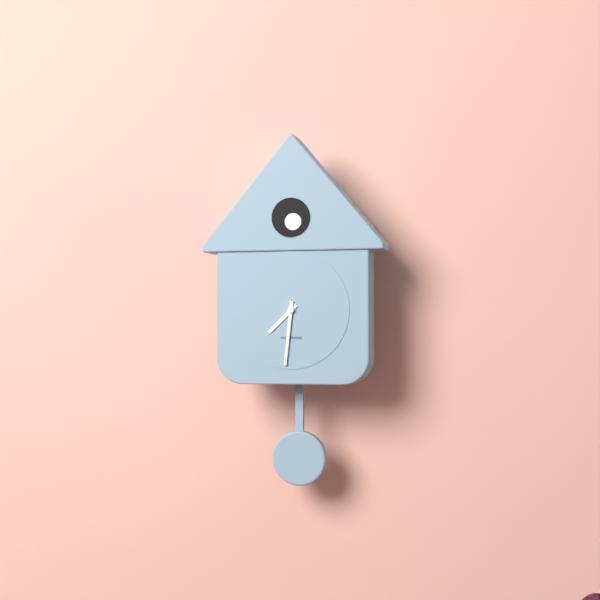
7:31
